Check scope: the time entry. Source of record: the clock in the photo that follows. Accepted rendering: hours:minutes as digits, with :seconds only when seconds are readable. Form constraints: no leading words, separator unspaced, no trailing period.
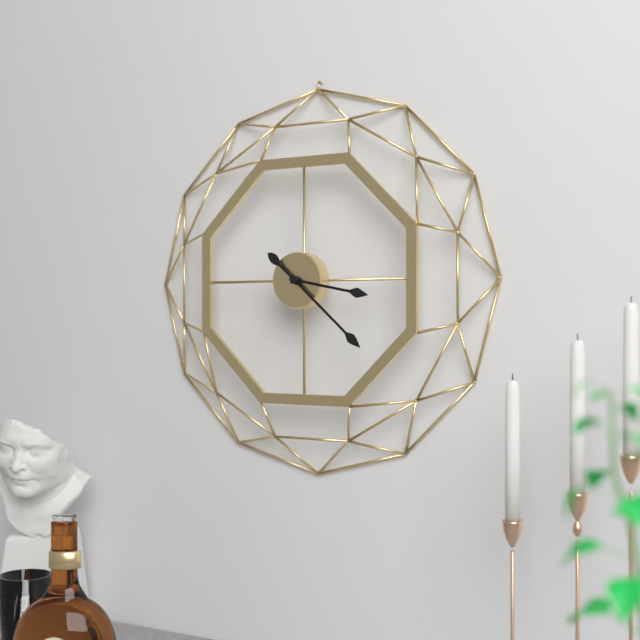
3:22
